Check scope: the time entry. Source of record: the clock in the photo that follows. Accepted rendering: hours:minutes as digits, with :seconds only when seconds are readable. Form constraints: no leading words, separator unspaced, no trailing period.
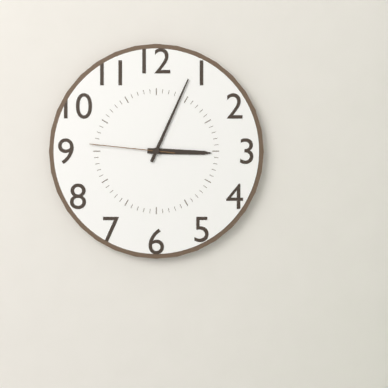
3:04:46
